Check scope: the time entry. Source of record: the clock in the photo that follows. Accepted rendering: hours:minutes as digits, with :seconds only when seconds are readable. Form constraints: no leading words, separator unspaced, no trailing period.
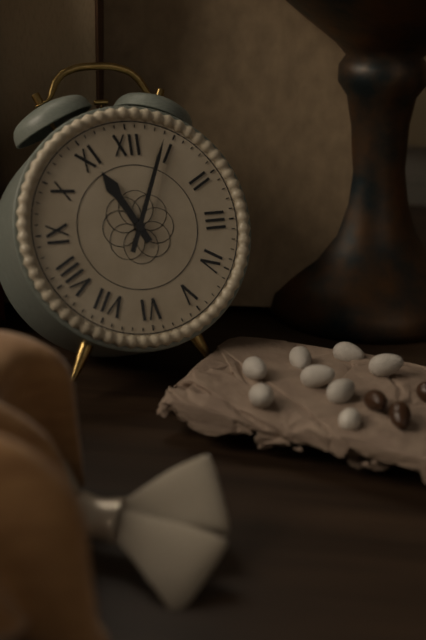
11:04
